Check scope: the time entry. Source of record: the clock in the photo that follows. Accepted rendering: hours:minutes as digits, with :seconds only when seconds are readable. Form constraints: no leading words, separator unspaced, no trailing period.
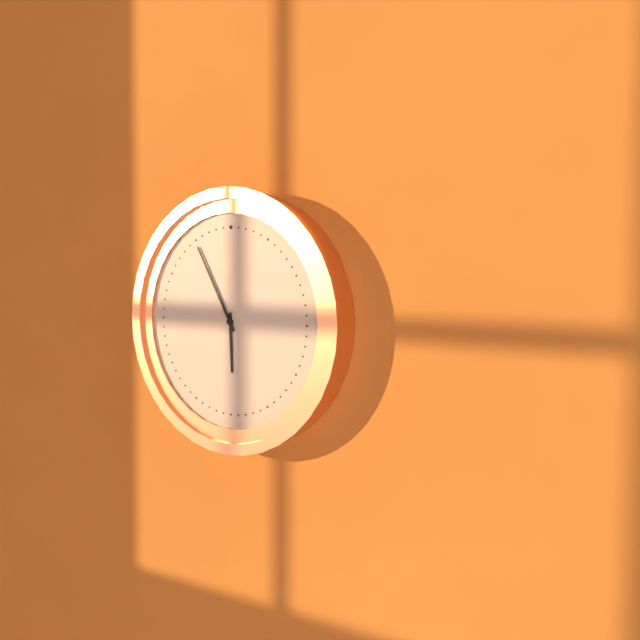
5:55
